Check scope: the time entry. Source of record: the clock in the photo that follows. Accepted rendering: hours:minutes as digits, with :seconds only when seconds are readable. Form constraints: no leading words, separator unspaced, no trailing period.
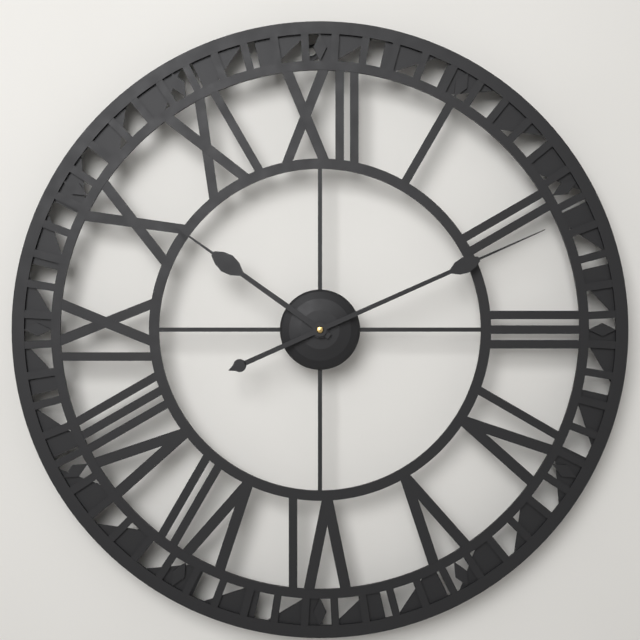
10:11
